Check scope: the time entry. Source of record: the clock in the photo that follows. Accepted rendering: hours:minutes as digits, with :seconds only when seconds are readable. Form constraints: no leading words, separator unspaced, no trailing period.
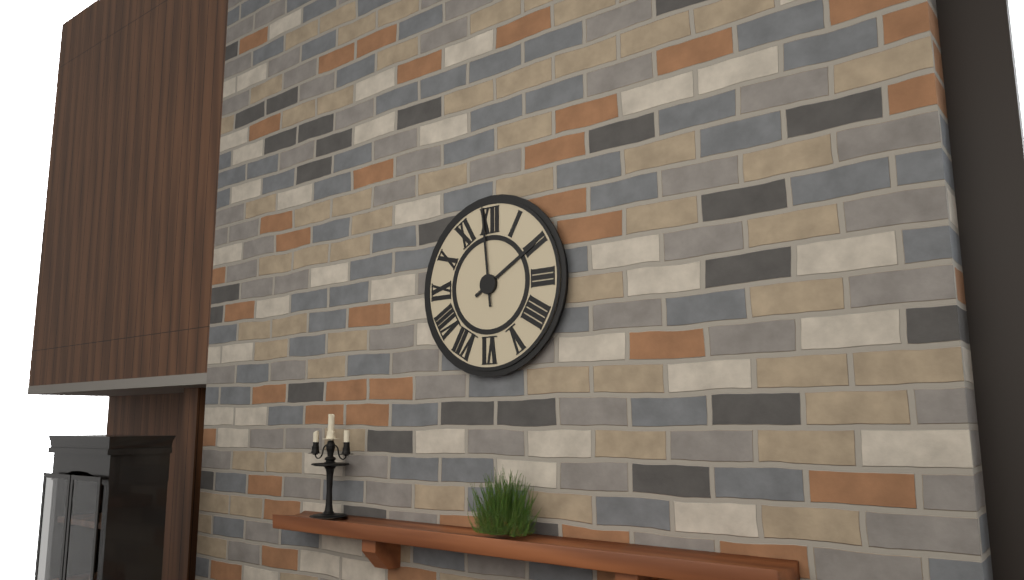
1:59
